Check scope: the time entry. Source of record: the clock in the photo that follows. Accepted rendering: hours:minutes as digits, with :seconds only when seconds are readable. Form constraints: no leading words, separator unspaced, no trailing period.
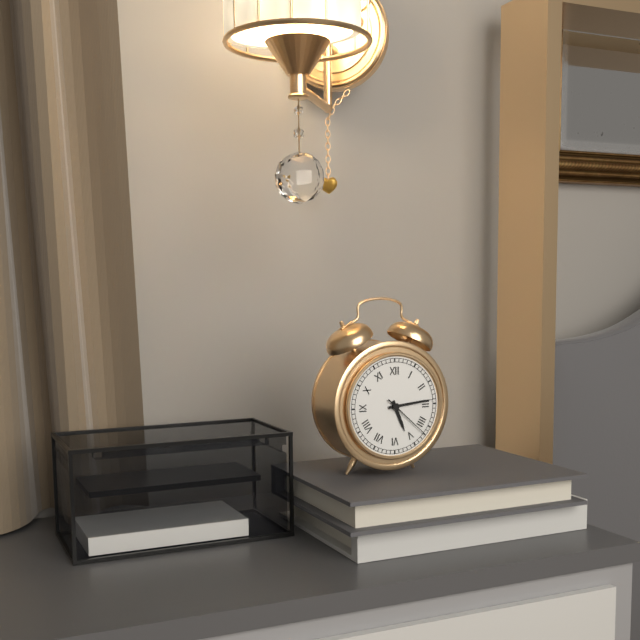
5:14:22
